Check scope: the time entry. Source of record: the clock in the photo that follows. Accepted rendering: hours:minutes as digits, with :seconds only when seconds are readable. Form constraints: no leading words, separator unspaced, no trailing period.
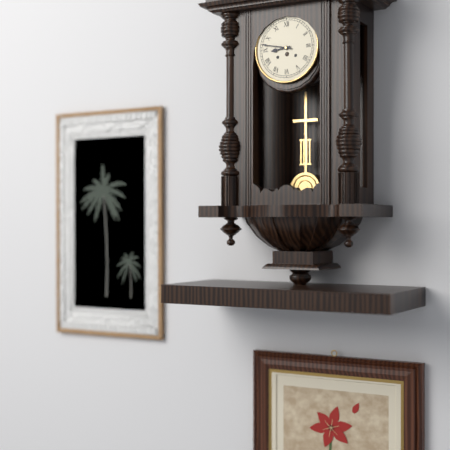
8:47
